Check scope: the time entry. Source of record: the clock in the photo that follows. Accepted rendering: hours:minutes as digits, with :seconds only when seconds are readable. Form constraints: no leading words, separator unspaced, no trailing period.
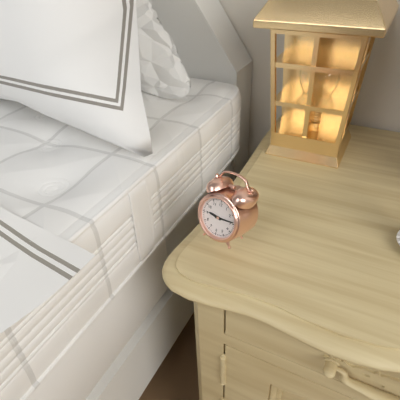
9:14
